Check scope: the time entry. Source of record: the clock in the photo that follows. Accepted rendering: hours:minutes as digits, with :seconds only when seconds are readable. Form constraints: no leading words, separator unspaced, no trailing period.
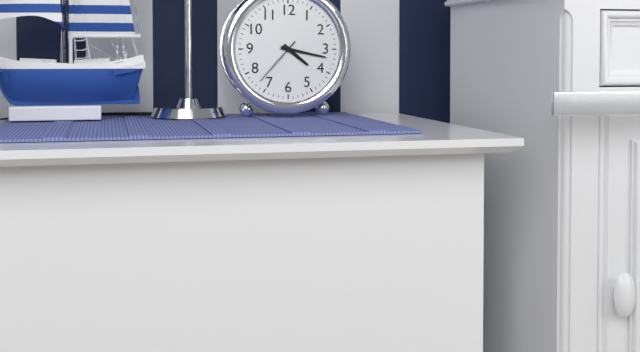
4:17:37
